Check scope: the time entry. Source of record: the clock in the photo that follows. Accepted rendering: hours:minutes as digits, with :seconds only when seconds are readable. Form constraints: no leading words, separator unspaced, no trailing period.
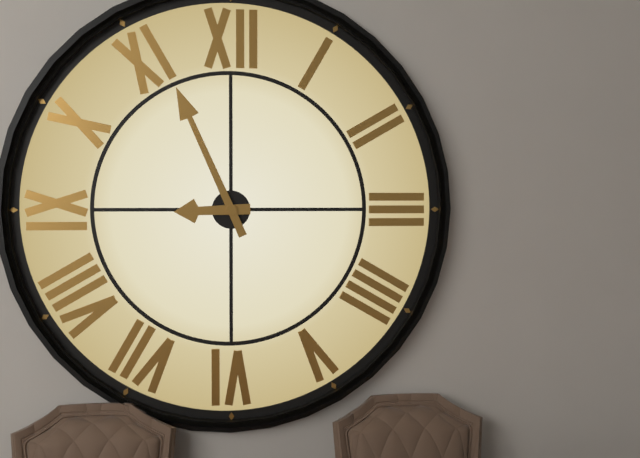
8:56
